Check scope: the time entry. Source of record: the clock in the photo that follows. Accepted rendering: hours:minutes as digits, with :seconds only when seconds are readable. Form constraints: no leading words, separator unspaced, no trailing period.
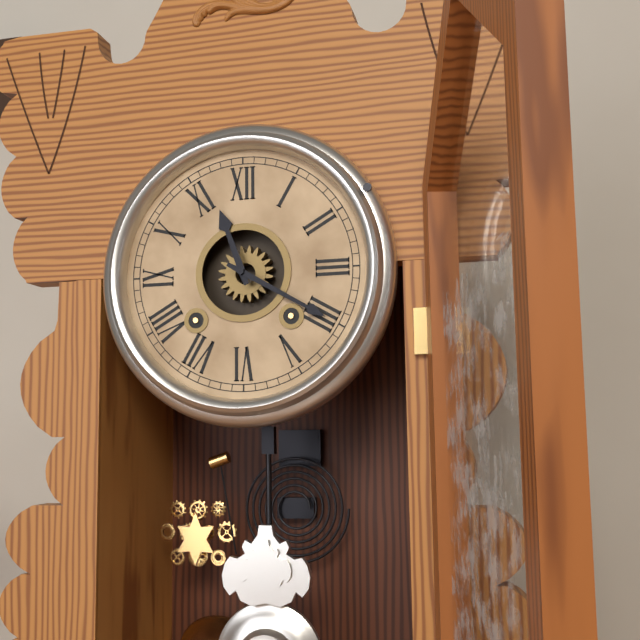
11:20
